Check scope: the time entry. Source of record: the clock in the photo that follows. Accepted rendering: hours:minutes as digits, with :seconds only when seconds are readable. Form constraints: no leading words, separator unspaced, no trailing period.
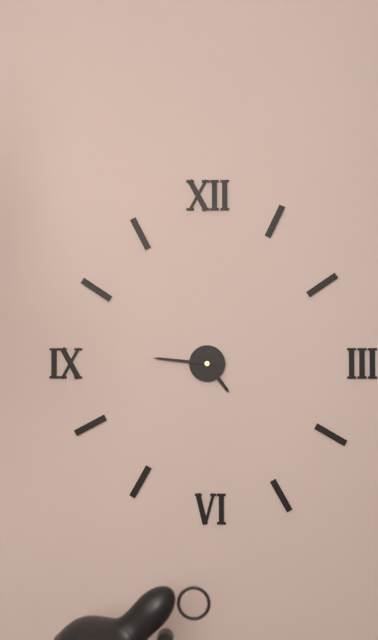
4:46
